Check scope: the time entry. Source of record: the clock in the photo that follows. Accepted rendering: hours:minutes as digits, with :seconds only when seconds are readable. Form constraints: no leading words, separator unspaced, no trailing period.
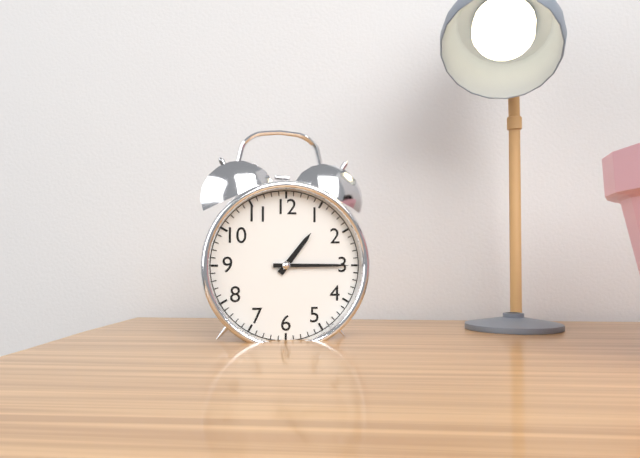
1:15
